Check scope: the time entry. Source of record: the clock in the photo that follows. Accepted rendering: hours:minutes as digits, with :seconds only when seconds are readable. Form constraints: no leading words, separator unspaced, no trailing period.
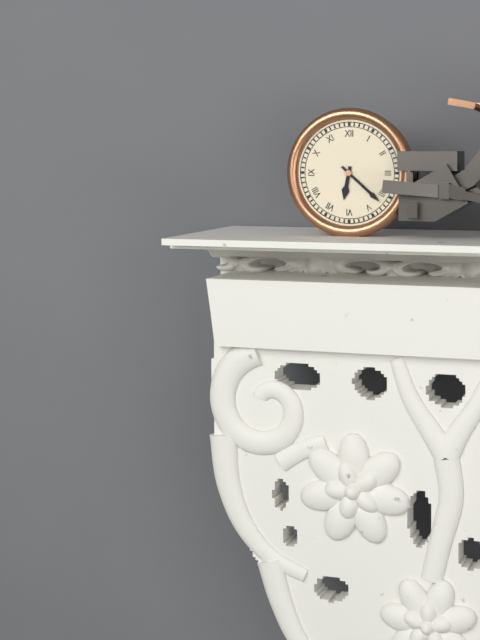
6:22
